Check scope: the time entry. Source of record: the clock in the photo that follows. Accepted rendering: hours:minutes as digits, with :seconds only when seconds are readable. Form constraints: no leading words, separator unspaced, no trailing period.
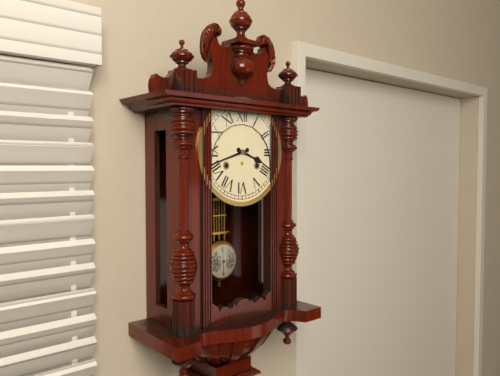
3:42
